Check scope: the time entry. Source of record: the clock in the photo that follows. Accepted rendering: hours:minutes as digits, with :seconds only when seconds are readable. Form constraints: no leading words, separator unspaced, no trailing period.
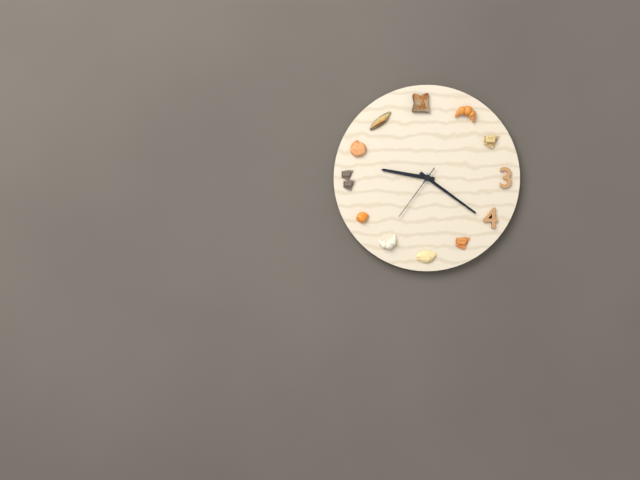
9:21:36
